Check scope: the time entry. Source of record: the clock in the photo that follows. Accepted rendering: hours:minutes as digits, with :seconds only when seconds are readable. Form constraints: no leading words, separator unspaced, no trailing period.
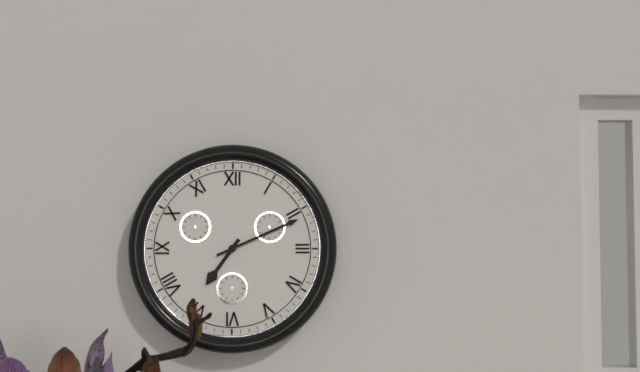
7:11
